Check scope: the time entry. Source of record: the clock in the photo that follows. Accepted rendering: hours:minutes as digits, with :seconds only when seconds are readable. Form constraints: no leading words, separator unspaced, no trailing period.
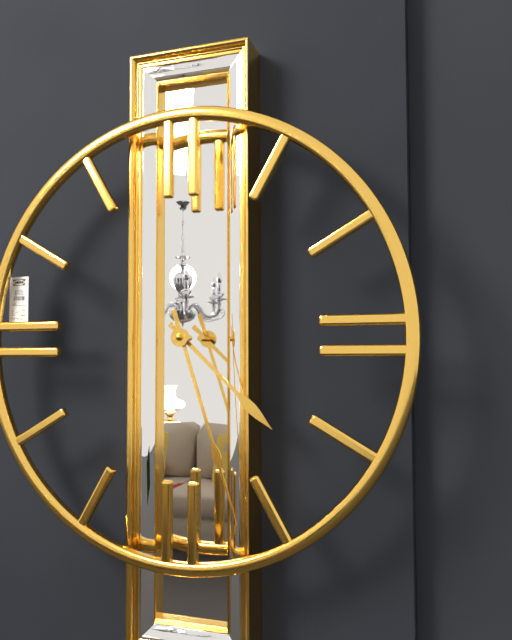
4:27
